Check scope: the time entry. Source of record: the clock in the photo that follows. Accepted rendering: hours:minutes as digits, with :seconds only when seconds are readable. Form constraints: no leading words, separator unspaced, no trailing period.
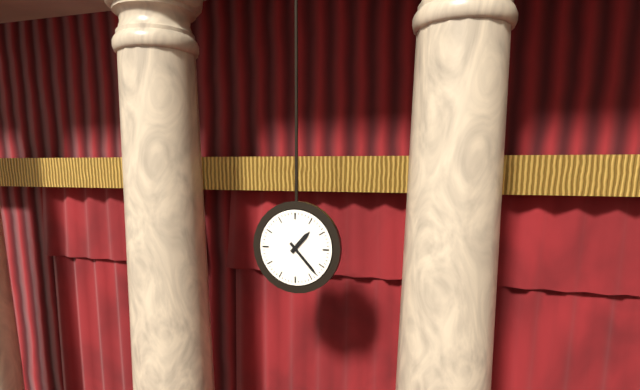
1:23
